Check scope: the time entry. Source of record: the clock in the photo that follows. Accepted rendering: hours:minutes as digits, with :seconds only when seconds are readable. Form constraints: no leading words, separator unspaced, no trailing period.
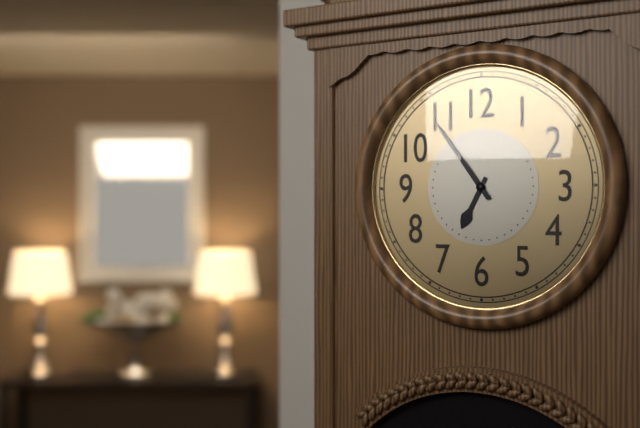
6:54
